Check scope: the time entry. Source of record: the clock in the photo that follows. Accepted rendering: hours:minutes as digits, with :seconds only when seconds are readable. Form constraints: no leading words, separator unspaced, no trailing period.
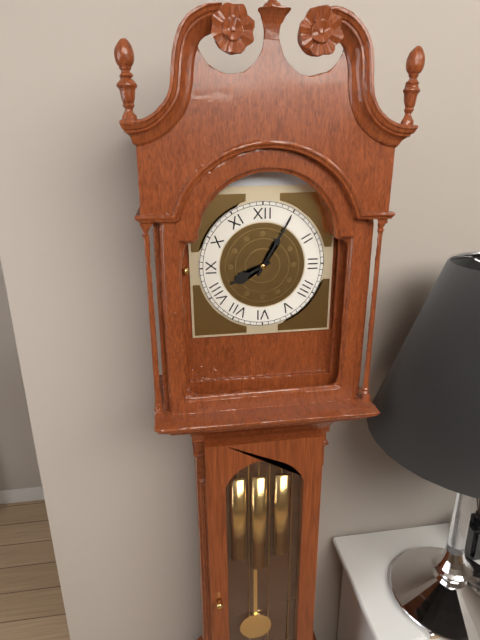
8:05
